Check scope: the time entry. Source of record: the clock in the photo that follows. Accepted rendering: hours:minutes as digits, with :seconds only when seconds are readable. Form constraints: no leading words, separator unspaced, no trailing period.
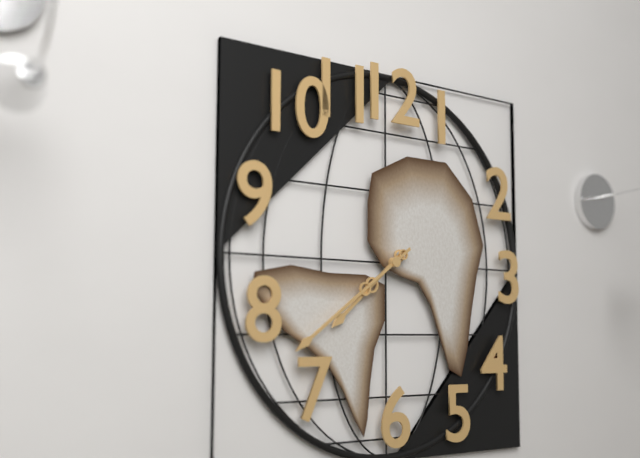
7:39
